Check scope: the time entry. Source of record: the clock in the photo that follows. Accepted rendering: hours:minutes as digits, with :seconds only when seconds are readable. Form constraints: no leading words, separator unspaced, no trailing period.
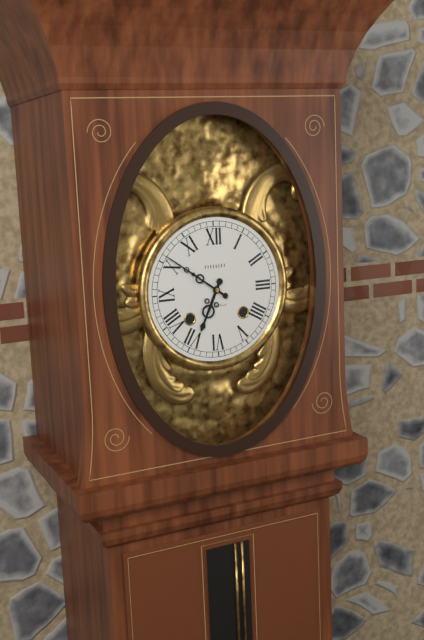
6:51
